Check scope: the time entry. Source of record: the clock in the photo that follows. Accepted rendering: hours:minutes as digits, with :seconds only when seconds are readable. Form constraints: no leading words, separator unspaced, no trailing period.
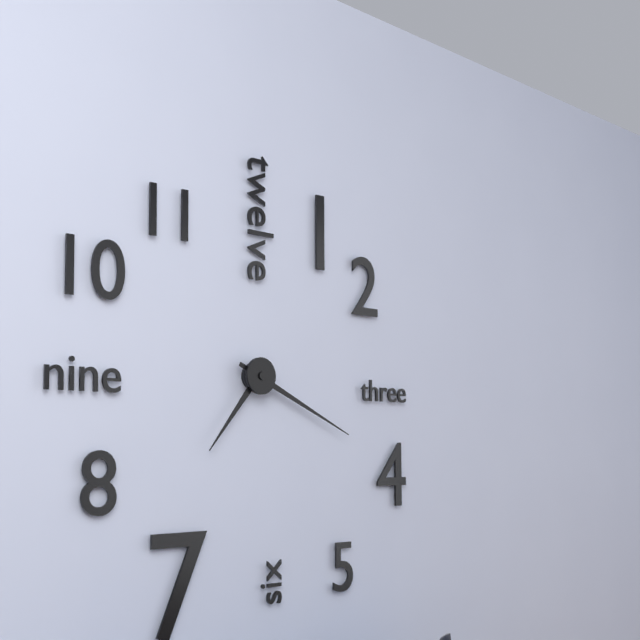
7:19
